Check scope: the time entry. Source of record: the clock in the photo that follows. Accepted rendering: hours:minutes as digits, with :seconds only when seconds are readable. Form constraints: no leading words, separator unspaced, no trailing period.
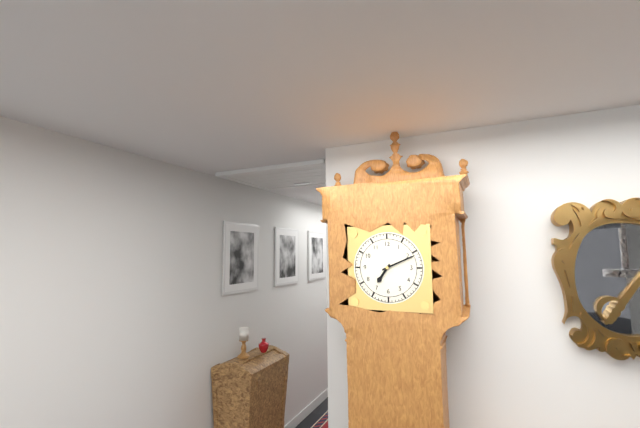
7:11
